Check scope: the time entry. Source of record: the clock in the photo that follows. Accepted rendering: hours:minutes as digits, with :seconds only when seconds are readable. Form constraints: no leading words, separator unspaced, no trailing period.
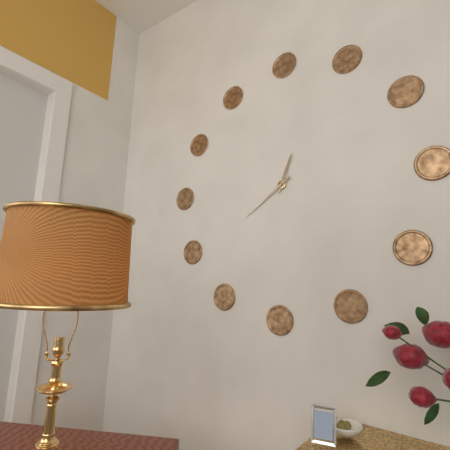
12:39
